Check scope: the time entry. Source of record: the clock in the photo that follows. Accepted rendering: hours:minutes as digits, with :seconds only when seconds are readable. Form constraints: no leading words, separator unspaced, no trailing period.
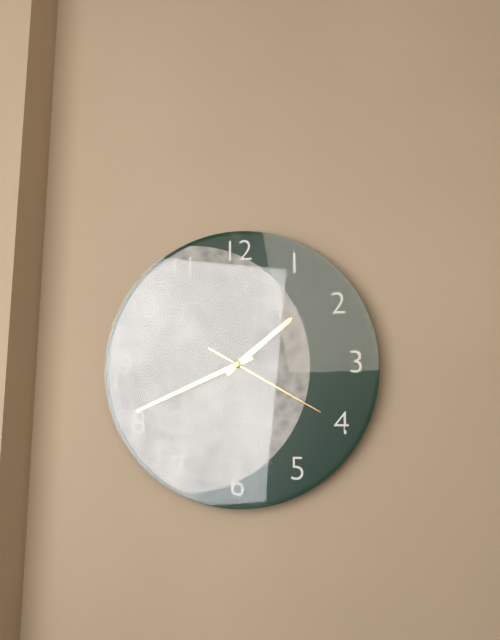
1:41:20
